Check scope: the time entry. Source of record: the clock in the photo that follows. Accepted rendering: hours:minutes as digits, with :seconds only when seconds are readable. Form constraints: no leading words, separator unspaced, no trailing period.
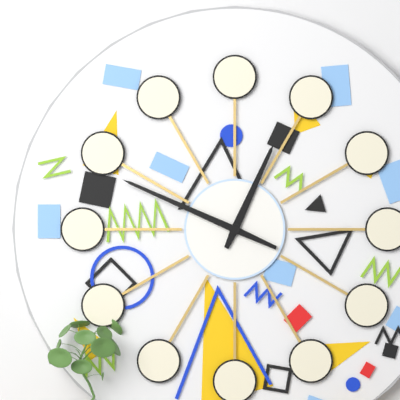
12:49
